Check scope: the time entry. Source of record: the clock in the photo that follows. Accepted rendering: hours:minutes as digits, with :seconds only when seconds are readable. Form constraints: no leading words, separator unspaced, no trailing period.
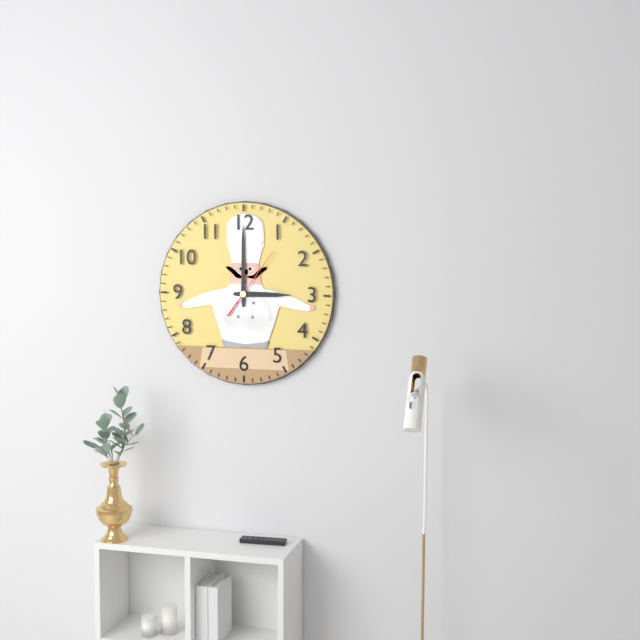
3:00:06
